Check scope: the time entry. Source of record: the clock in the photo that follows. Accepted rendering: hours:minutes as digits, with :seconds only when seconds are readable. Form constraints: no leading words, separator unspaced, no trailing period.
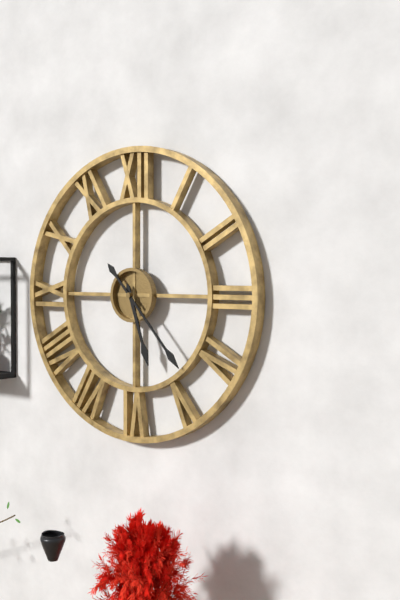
5:23
